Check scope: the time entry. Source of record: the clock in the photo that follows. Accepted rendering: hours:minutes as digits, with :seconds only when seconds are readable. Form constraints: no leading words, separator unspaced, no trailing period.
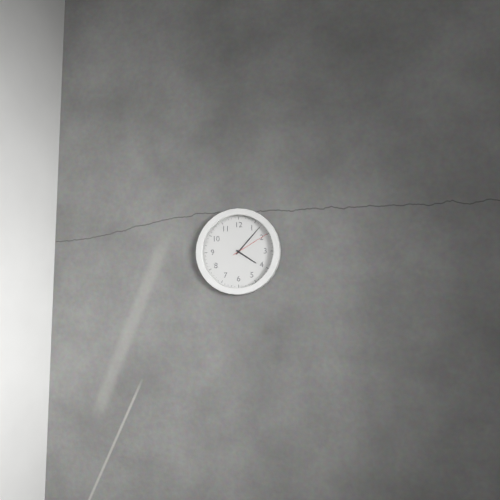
4:07
